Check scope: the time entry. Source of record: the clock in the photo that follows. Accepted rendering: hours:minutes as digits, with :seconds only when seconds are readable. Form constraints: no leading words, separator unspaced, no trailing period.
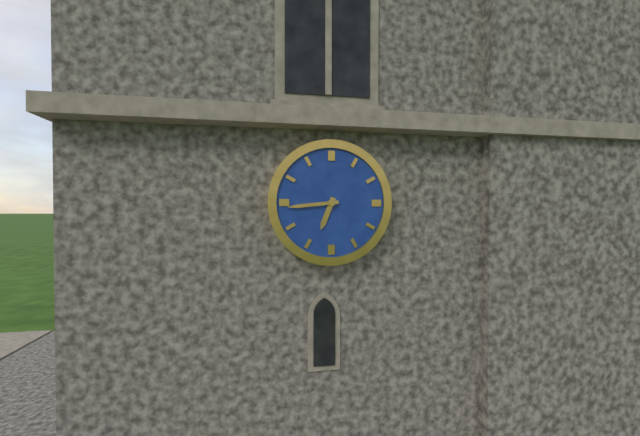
6:44
